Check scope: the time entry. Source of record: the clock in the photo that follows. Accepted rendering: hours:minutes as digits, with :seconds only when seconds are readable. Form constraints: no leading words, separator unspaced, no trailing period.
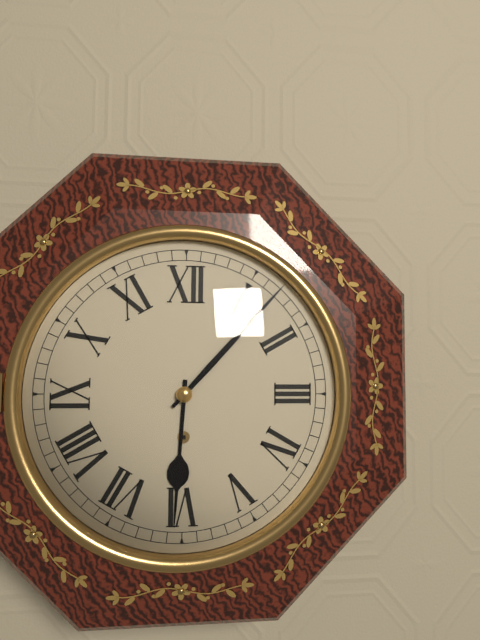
6:07
